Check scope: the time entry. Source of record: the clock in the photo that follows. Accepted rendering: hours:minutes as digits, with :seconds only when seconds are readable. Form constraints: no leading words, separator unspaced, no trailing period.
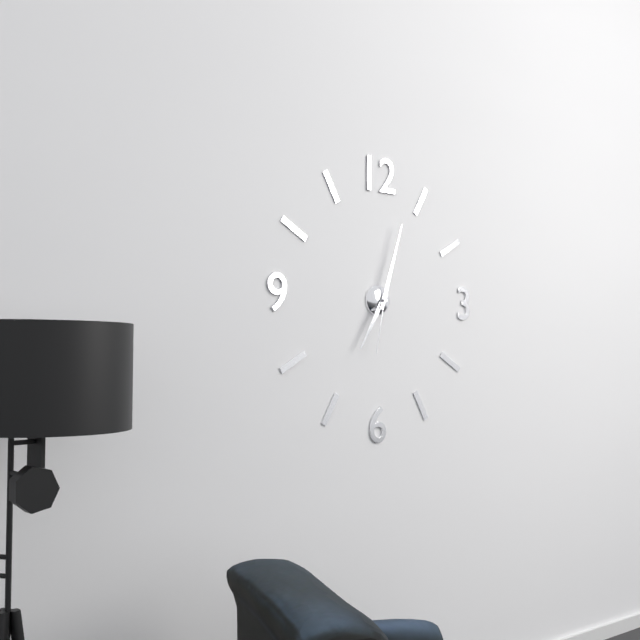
7:03:32
